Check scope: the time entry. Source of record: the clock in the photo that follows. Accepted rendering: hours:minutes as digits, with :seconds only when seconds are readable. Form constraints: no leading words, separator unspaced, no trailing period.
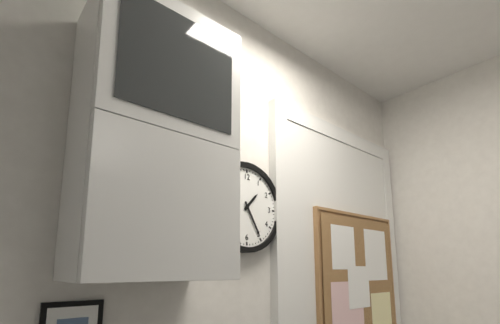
1:25
